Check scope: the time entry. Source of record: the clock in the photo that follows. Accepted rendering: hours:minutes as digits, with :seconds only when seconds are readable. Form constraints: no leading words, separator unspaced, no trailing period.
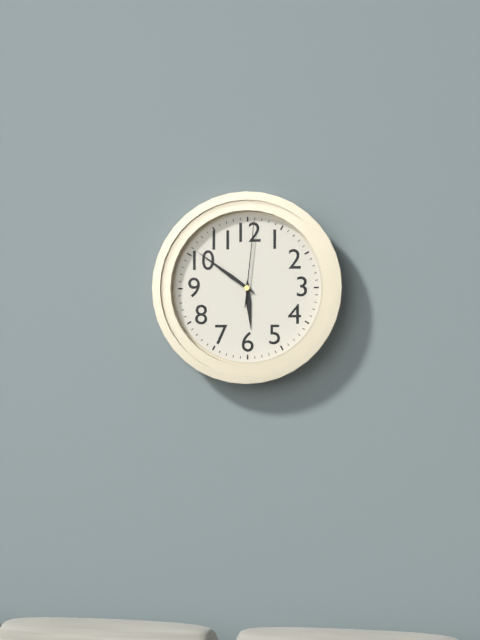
5:51:01
